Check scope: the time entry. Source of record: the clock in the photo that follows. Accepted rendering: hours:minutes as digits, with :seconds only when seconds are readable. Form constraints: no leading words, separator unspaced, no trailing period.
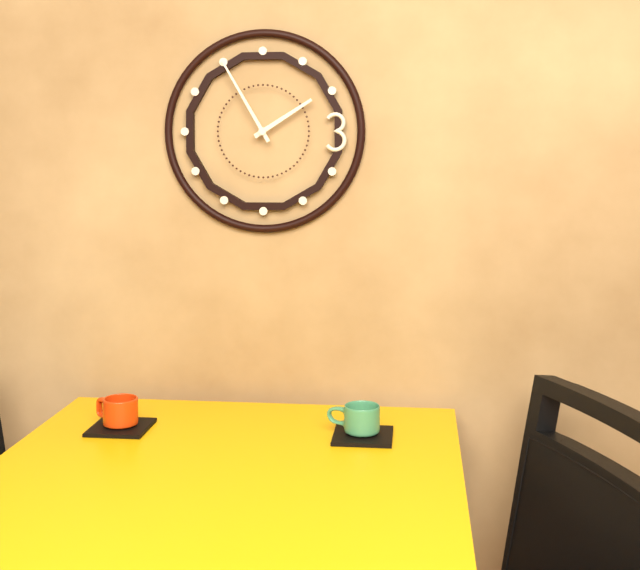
1:55
